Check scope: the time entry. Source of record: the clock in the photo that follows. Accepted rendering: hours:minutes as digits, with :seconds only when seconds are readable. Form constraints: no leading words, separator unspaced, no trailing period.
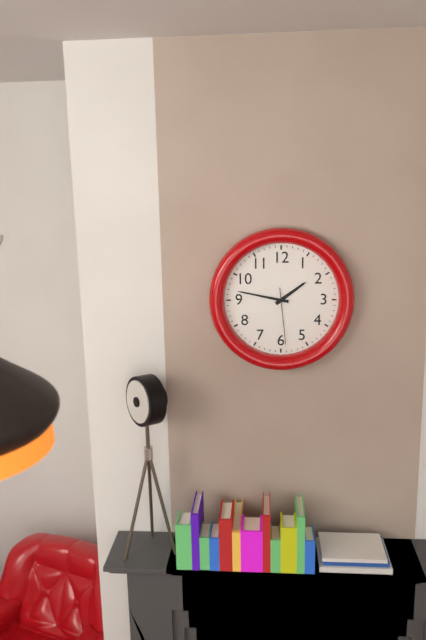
1:47:29
